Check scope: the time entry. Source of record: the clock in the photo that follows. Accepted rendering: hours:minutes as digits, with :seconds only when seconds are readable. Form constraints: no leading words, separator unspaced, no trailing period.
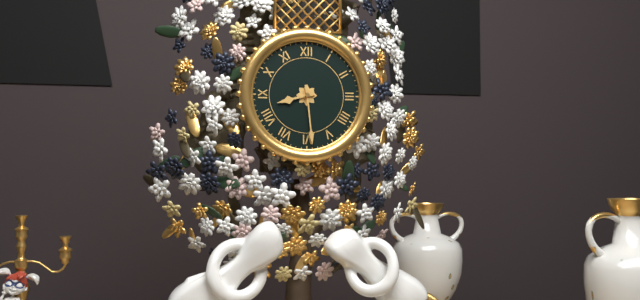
8:29
